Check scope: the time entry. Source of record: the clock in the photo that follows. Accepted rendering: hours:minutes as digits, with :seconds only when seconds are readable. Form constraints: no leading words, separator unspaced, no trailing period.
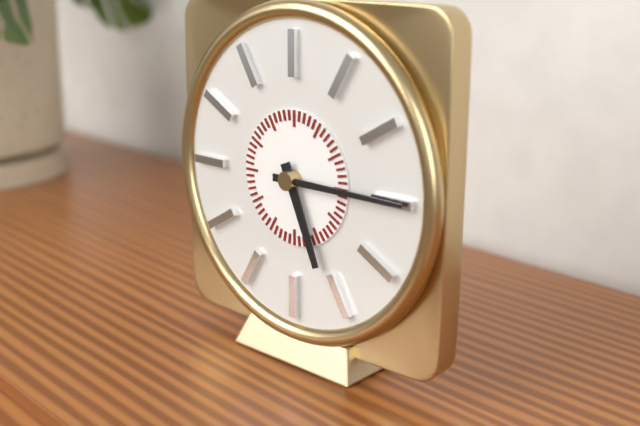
5:15
